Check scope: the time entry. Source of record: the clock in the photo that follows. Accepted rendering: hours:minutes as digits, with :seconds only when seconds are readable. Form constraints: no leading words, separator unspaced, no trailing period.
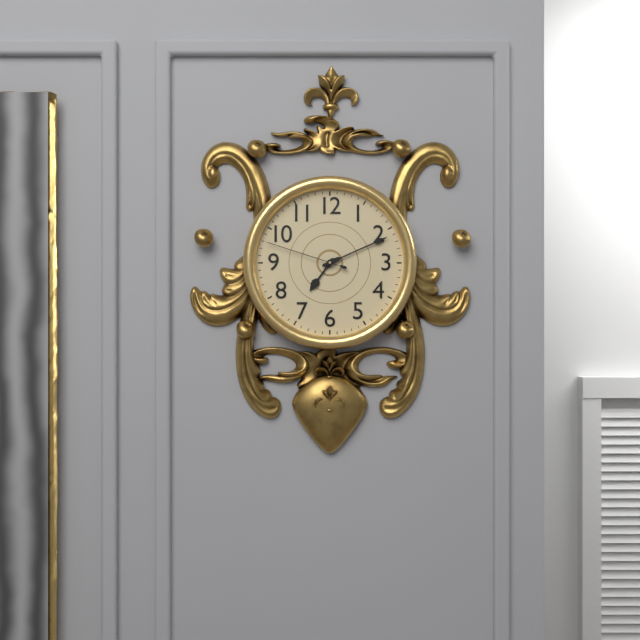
7:11:48
